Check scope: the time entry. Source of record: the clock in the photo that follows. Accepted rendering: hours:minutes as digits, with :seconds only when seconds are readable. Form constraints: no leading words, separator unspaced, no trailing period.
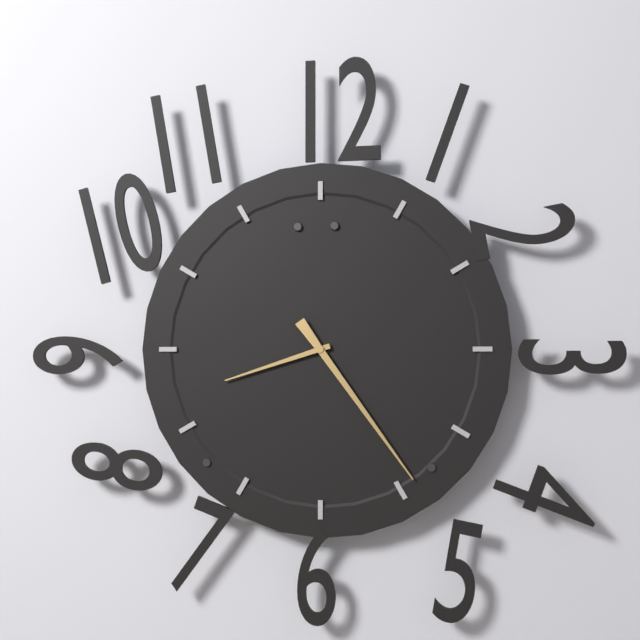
8:24
